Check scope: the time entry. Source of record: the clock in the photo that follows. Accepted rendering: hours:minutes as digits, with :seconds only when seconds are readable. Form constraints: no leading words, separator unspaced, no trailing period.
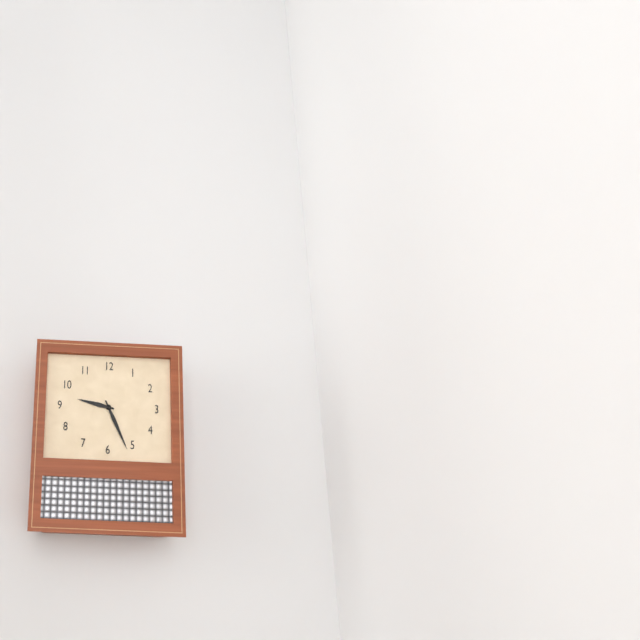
9:26
